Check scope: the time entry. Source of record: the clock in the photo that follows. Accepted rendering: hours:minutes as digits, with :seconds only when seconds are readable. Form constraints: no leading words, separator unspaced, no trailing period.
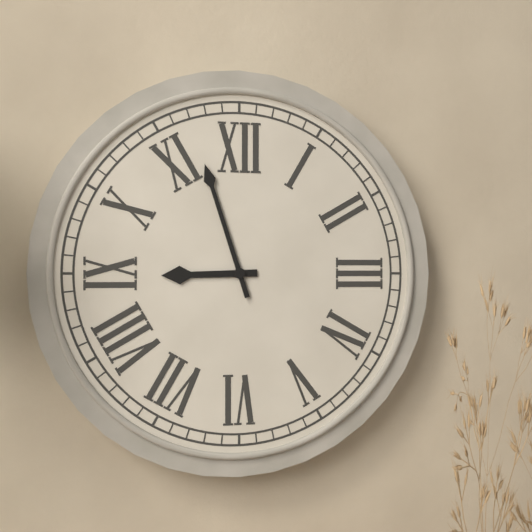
8:57
